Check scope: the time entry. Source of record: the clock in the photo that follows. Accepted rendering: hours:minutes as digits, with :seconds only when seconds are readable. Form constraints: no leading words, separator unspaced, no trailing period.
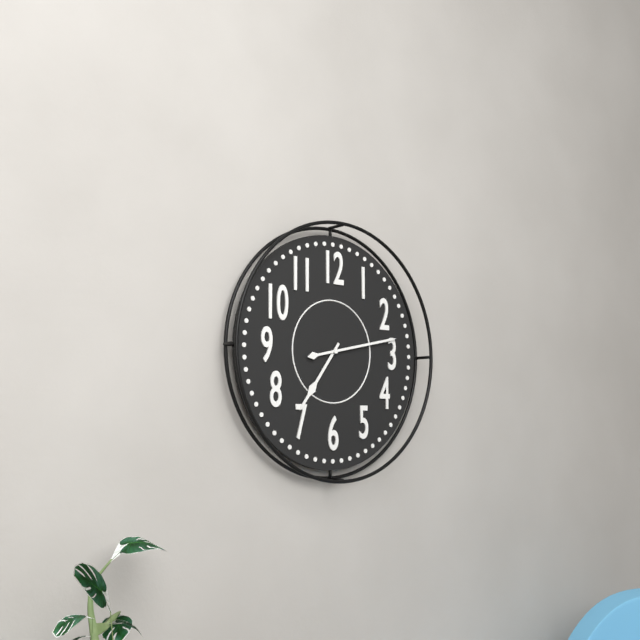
7:13
